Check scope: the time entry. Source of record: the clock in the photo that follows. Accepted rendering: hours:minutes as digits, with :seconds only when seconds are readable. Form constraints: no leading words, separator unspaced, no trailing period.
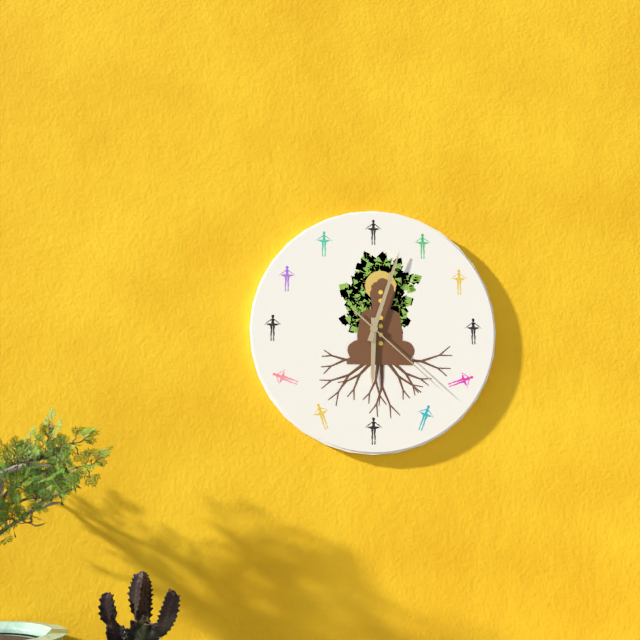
6:03:22
